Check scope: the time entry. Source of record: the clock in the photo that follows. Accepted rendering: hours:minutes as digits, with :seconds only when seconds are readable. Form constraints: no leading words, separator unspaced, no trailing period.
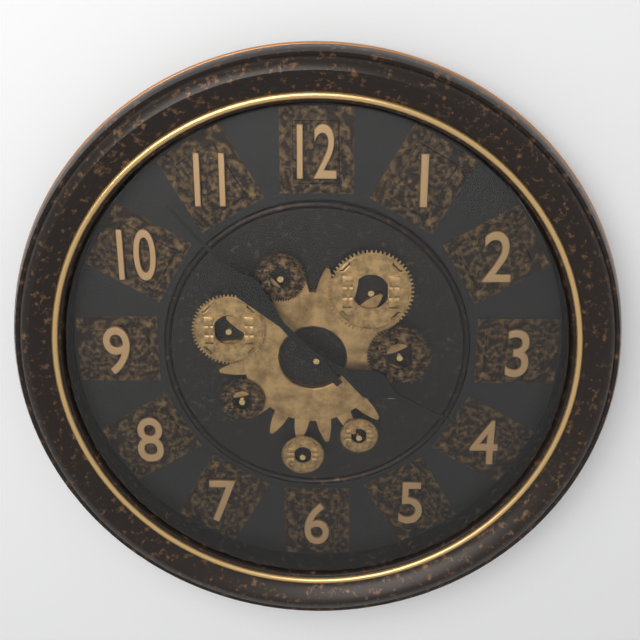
3:53
